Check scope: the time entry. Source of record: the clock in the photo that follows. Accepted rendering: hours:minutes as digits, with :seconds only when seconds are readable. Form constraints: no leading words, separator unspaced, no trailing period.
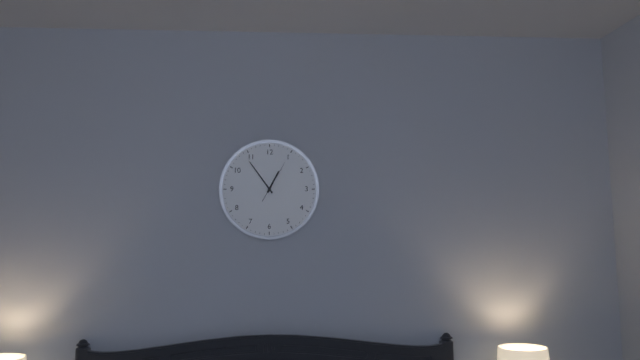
12:54
